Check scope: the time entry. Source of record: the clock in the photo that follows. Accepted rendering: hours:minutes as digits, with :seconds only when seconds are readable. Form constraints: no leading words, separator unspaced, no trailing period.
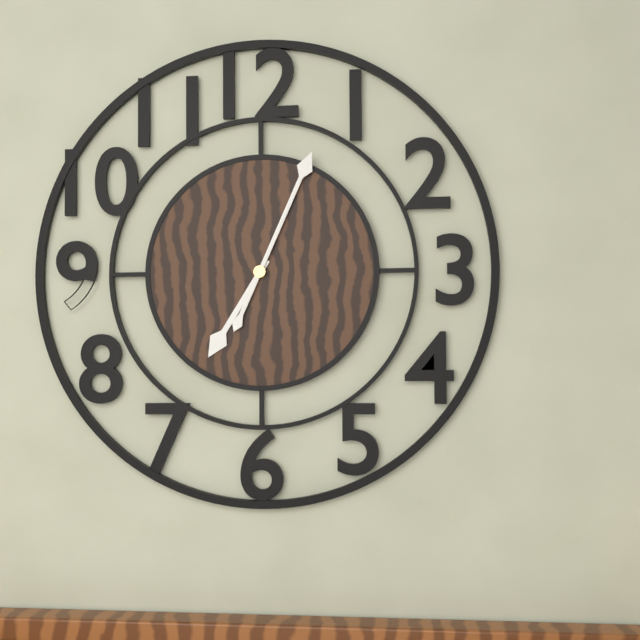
7:04
